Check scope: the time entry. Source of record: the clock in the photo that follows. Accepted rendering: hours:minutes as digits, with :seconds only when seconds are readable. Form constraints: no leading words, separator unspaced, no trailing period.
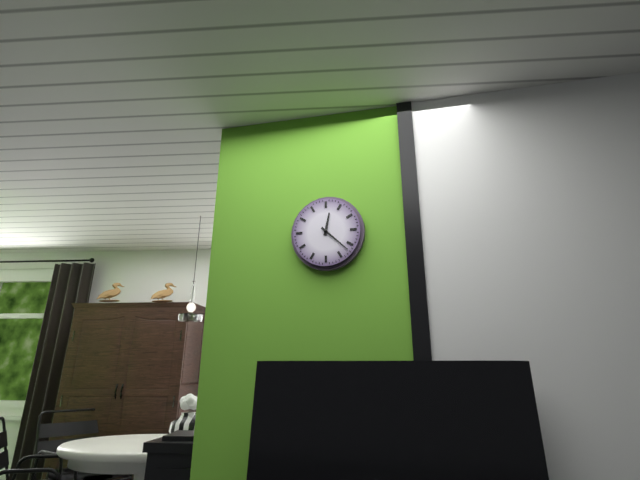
12:22
